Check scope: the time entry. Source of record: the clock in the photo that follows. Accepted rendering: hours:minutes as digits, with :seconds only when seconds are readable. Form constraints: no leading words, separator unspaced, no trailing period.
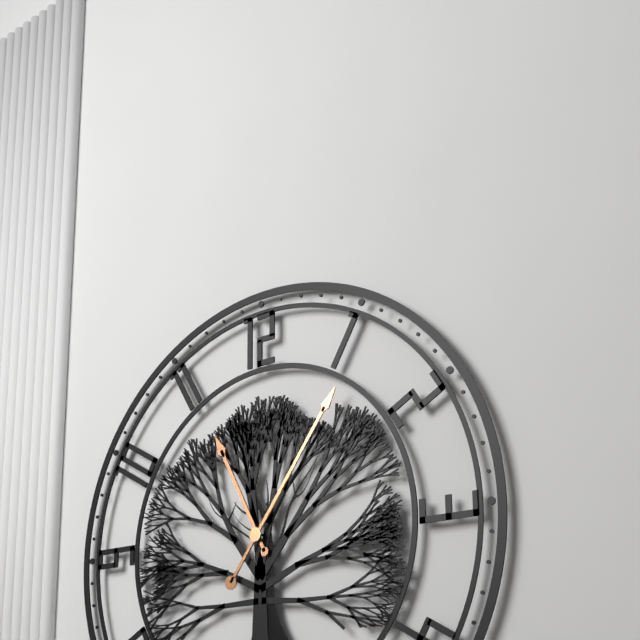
11:06
